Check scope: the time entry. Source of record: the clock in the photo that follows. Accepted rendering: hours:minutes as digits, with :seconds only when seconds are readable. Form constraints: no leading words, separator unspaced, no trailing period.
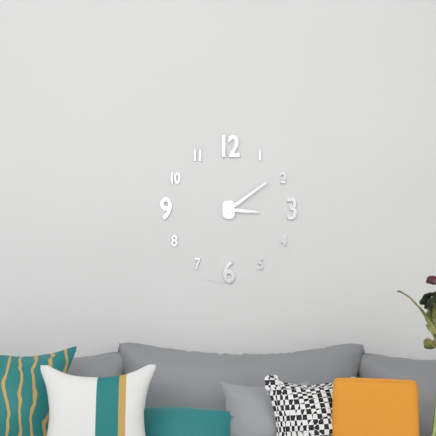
3:09
